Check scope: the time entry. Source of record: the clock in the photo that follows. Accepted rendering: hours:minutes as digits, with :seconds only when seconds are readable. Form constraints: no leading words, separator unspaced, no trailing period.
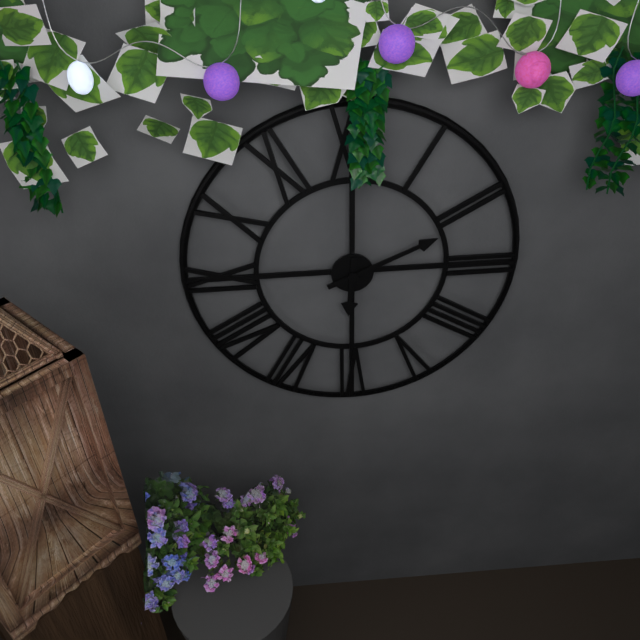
6:11
